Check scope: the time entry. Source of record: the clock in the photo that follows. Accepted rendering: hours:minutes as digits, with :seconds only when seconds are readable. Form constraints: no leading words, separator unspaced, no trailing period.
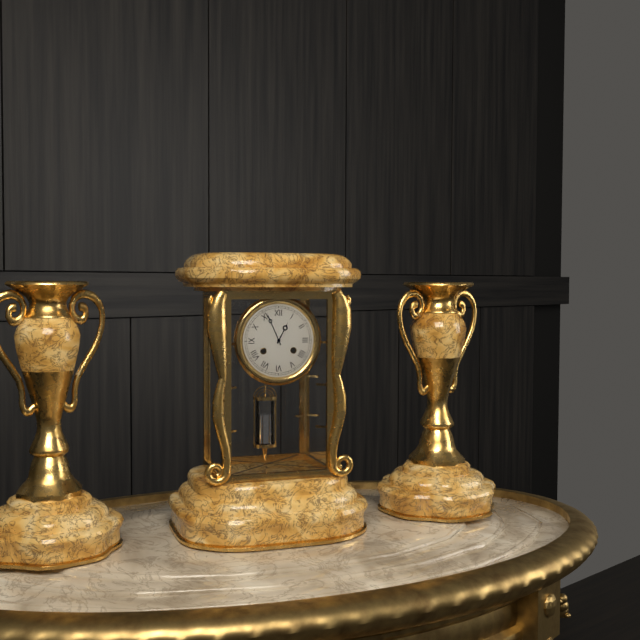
12:56
